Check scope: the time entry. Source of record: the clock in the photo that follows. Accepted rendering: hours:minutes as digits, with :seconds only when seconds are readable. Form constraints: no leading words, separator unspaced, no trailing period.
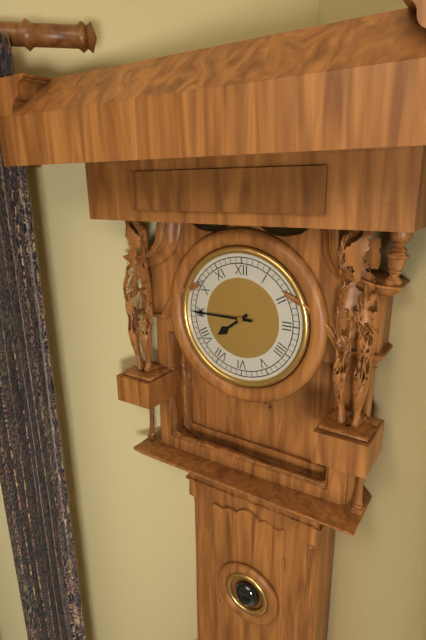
7:45
